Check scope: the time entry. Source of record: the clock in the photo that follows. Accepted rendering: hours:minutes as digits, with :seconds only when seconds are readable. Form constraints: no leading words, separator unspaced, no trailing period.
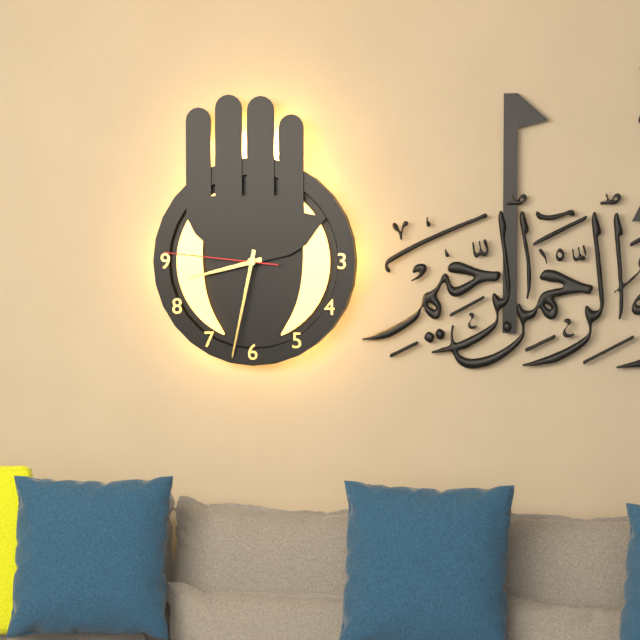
8:32:46
